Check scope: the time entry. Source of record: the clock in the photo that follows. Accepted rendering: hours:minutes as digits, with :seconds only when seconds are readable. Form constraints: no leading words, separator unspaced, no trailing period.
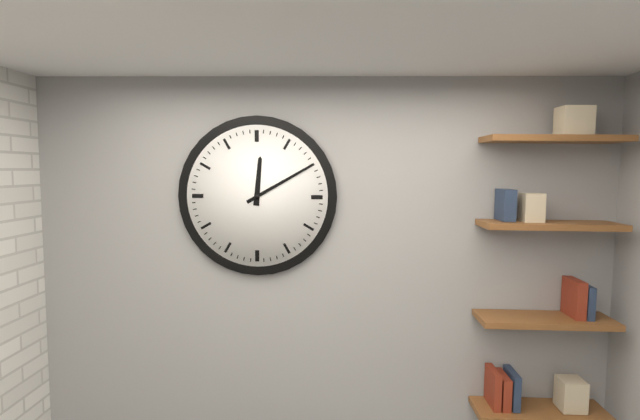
12:10
